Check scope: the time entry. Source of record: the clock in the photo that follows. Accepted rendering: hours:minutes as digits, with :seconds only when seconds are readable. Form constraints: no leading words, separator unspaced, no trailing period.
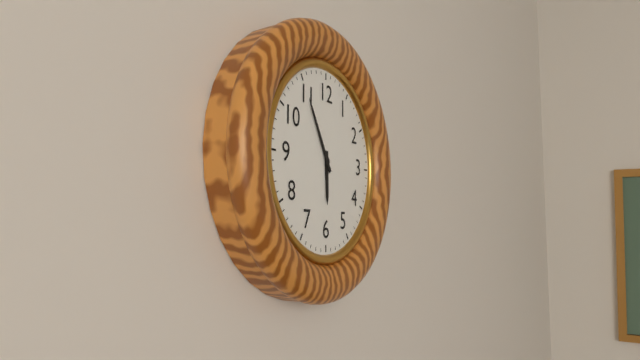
5:55
